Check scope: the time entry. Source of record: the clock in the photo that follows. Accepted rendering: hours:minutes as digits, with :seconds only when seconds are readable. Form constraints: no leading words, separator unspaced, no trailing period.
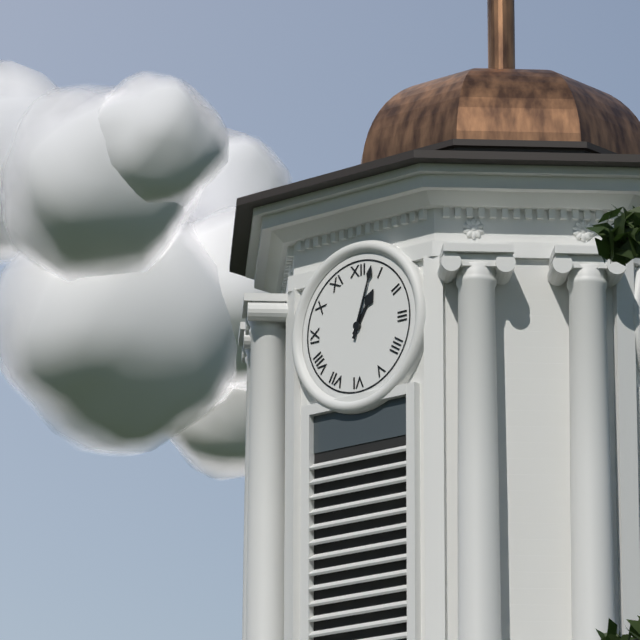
1:03
